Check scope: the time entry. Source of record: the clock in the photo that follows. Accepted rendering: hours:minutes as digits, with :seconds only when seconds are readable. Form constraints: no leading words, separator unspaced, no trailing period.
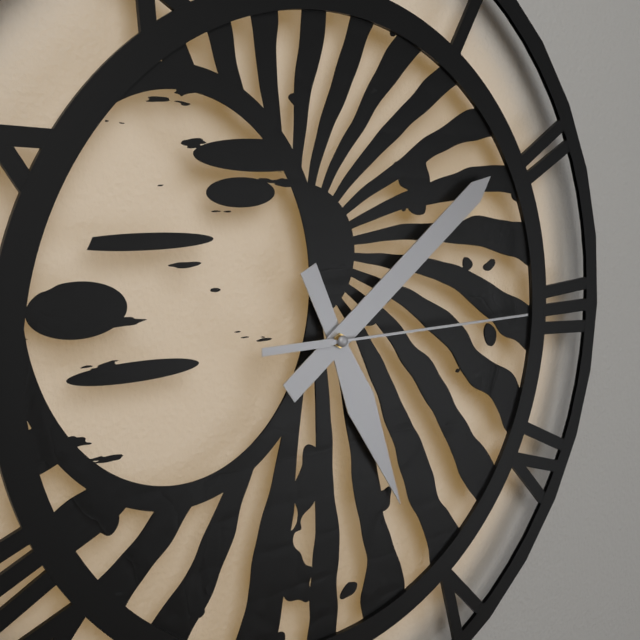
5:09:15
